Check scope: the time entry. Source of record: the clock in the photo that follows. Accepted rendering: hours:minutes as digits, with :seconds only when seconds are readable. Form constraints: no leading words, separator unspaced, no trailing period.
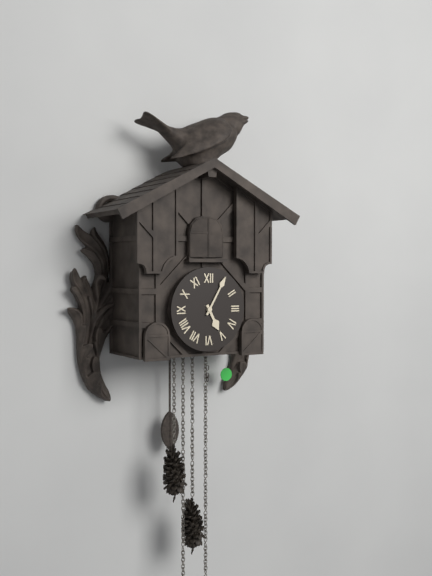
5:05
